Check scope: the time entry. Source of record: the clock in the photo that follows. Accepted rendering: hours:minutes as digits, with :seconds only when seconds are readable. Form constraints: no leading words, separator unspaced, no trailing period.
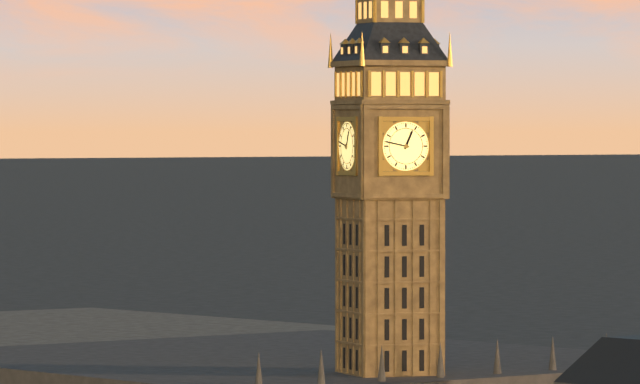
12:47
